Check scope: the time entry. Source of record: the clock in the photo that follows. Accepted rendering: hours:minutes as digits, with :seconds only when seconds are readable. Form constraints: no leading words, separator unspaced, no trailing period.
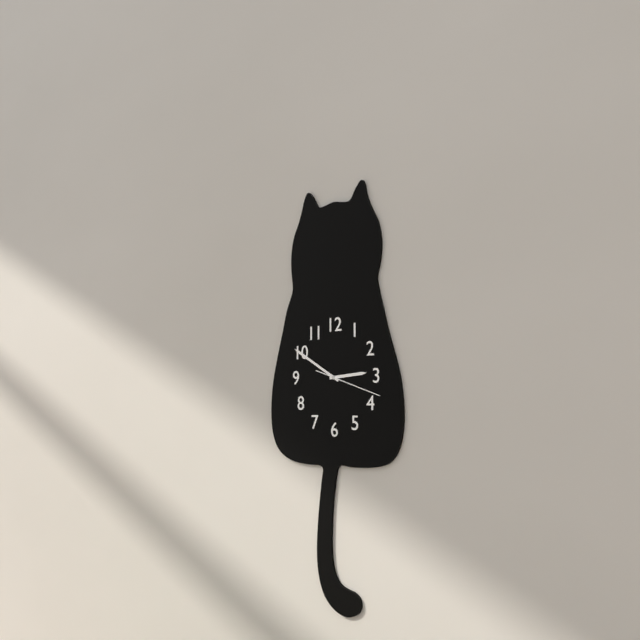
2:50:18
